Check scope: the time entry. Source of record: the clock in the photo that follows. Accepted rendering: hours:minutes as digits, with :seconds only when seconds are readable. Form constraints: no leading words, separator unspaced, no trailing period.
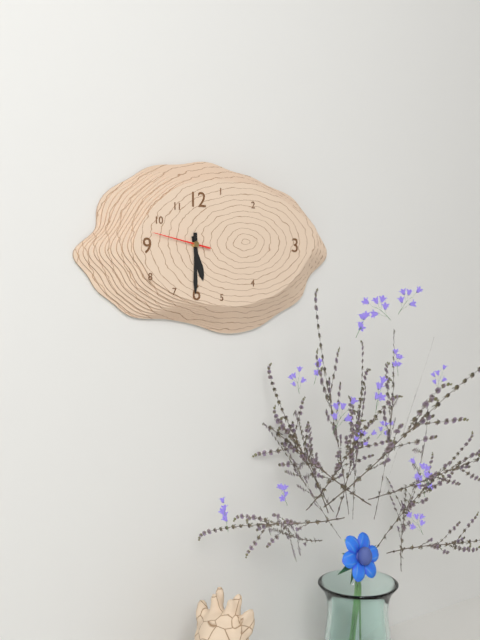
5:30:47
